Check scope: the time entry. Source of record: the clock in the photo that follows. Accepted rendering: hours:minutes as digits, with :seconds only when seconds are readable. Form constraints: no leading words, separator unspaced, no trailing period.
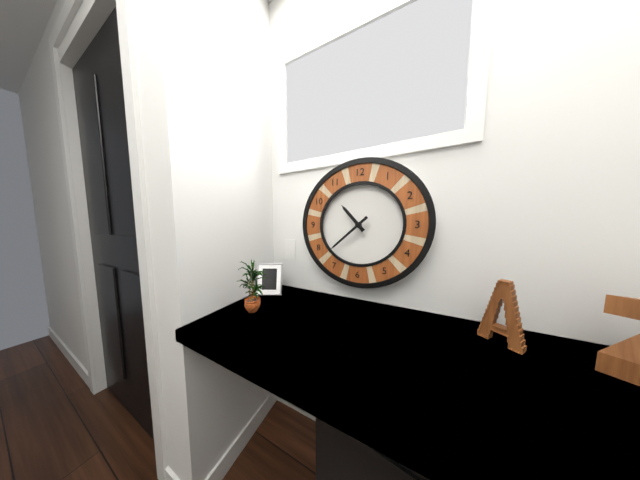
10:38
